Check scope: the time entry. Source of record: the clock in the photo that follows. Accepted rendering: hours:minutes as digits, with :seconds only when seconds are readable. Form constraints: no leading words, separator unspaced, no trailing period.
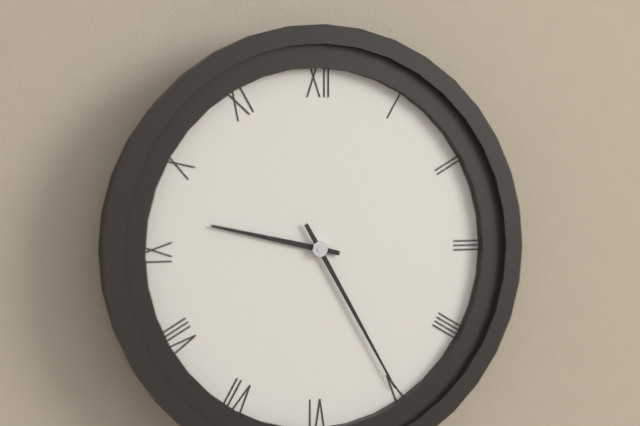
9:25
